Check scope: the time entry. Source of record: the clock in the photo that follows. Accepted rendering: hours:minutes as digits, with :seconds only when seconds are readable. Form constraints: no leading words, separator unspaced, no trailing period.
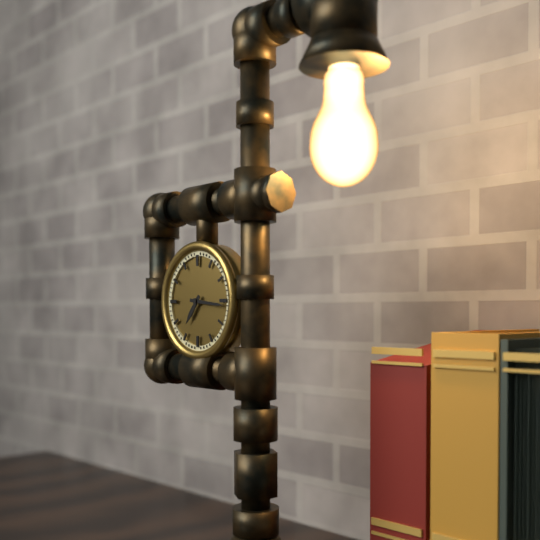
7:16
